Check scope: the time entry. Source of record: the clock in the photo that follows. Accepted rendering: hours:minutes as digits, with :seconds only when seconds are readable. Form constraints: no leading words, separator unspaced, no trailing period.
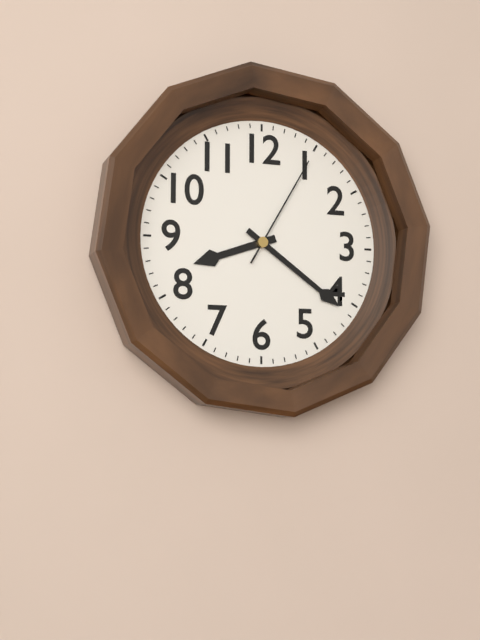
8:21:05
